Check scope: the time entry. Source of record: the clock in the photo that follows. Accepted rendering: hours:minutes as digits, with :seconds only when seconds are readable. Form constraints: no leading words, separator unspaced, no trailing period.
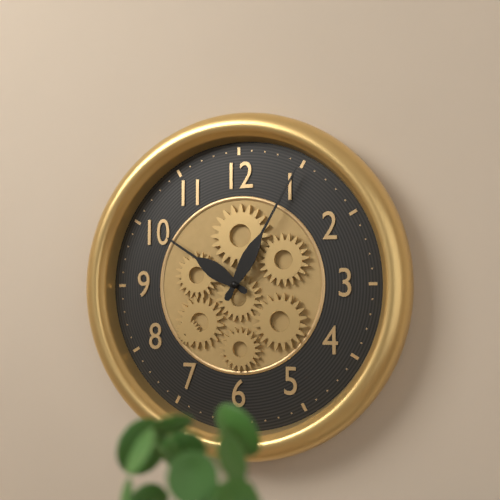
10:05
